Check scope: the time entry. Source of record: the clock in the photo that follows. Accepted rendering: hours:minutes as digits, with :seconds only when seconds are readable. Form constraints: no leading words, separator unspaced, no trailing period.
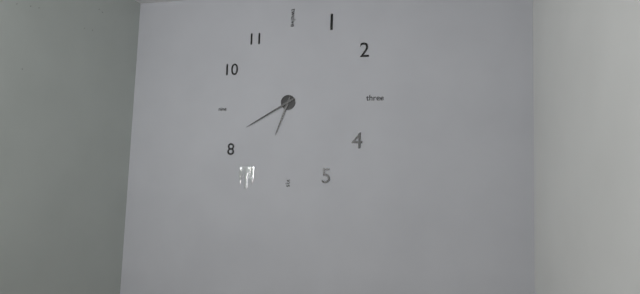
6:40
